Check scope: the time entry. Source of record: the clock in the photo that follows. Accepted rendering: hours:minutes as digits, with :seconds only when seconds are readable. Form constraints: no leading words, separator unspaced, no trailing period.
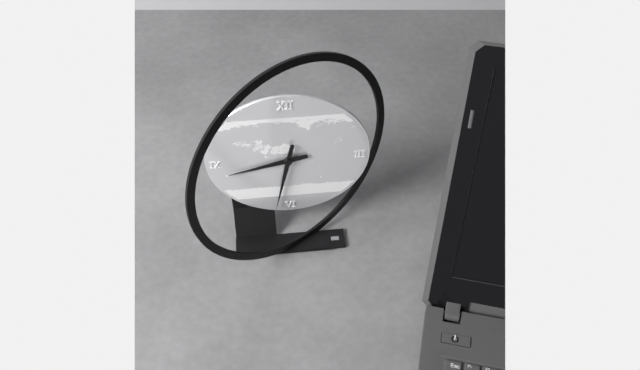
8:32
